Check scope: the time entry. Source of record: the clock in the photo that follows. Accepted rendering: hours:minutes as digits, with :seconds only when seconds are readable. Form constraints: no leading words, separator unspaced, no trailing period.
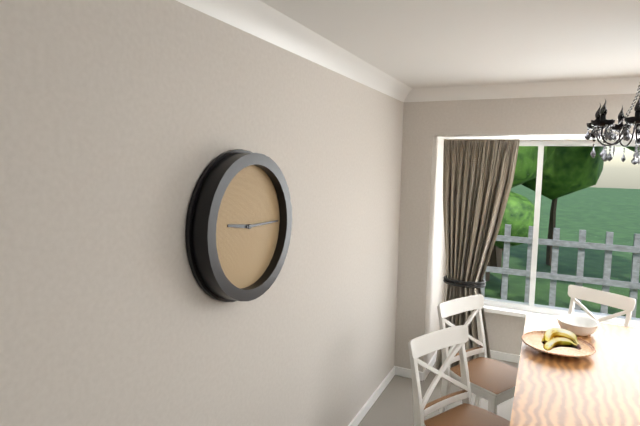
9:15
